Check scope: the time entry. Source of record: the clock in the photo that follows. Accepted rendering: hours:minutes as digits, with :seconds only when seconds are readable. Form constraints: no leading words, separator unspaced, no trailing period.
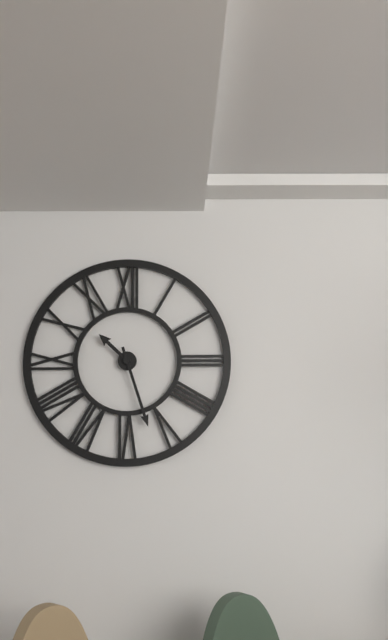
10:27
